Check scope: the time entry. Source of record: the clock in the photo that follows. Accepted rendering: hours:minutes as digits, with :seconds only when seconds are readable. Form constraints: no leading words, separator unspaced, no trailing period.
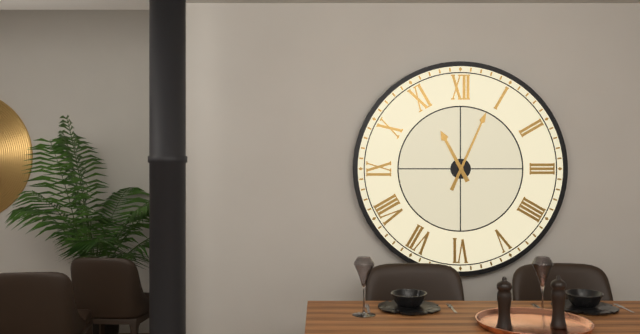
11:04
